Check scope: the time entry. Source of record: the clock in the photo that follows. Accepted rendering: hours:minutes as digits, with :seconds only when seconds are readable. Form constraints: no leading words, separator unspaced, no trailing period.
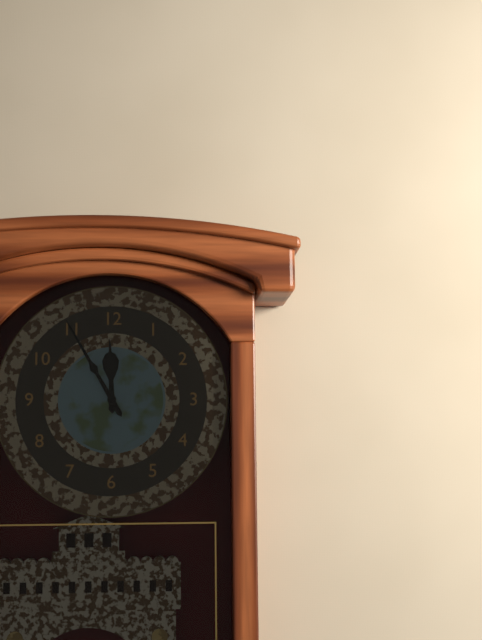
11:55
